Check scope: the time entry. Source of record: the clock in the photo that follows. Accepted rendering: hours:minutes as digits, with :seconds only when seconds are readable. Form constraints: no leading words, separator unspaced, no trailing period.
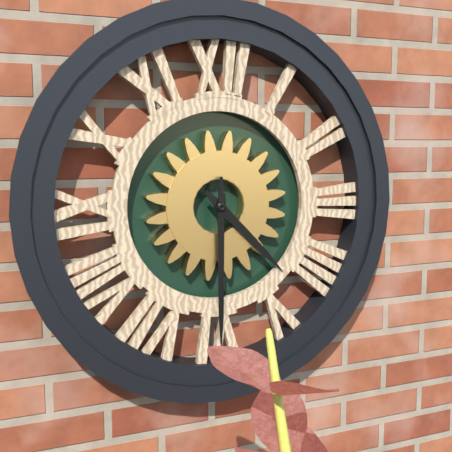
4:30
